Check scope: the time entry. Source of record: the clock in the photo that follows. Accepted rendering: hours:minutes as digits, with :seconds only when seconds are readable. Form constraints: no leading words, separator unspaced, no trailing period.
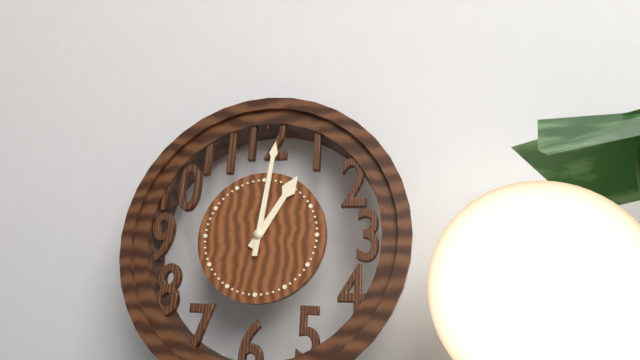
1:01
